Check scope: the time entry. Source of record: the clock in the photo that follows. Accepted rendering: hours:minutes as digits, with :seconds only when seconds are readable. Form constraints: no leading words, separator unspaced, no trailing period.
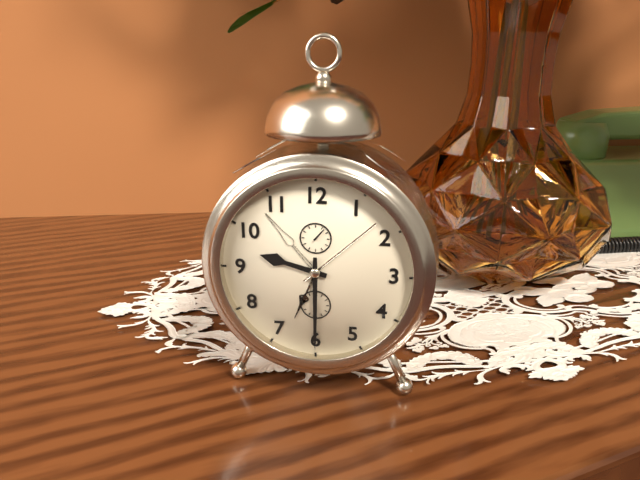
9:30
